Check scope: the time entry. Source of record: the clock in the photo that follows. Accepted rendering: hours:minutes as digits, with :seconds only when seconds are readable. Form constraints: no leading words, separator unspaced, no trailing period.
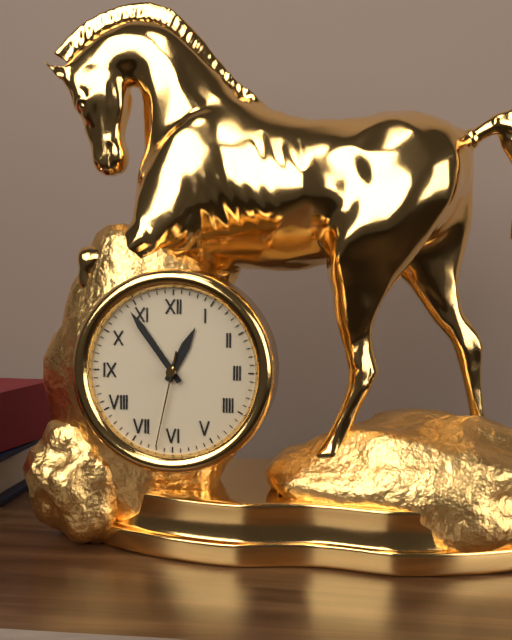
12:54:32
